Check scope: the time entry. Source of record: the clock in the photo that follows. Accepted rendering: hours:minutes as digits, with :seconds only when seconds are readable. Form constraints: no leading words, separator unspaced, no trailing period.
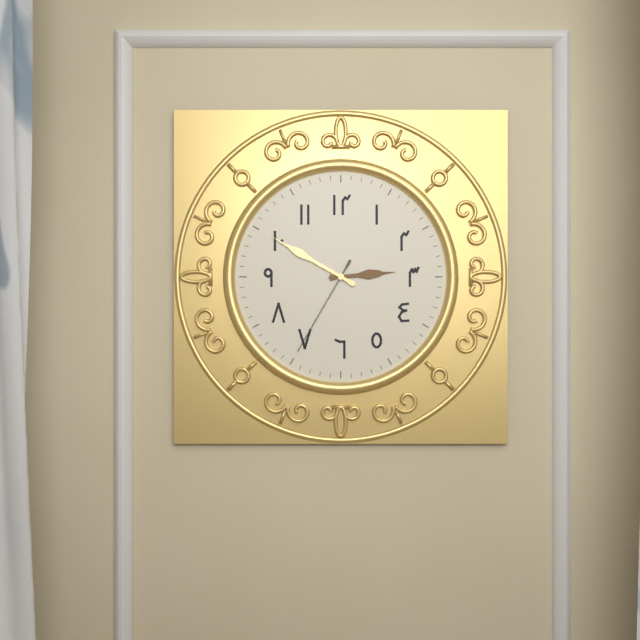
2:50:35
